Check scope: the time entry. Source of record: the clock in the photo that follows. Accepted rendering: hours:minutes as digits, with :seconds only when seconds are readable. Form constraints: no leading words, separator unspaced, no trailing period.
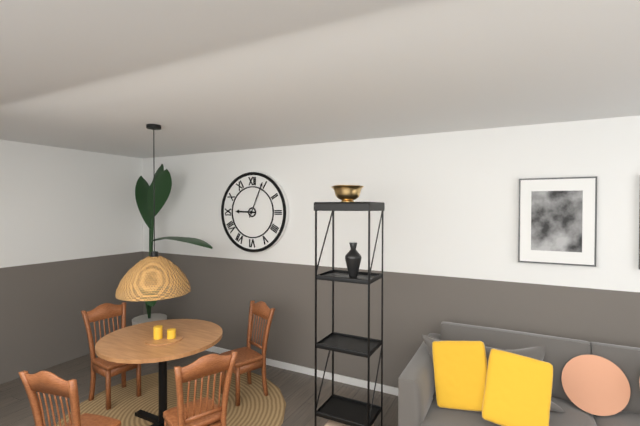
9:04
